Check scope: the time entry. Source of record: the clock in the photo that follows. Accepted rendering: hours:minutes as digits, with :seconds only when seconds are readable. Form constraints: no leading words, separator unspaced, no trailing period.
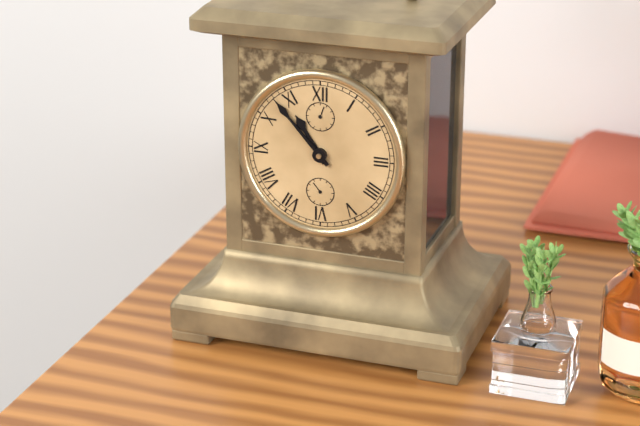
10:53
